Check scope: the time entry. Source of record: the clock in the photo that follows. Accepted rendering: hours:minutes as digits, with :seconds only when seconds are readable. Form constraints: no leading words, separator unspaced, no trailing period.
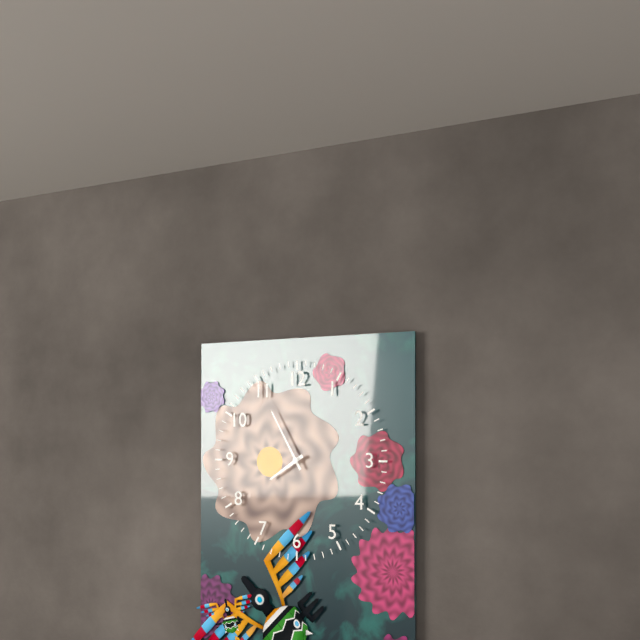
7:55
